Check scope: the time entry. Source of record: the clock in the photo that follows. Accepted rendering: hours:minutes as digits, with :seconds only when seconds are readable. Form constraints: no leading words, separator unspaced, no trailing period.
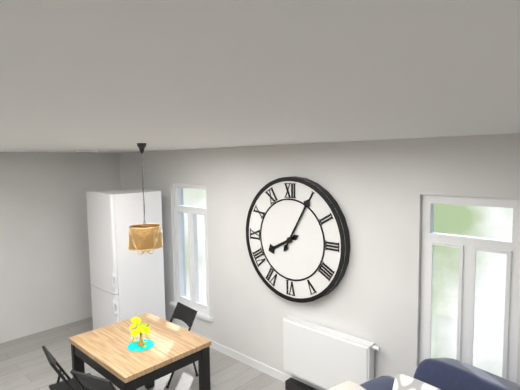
8:05
